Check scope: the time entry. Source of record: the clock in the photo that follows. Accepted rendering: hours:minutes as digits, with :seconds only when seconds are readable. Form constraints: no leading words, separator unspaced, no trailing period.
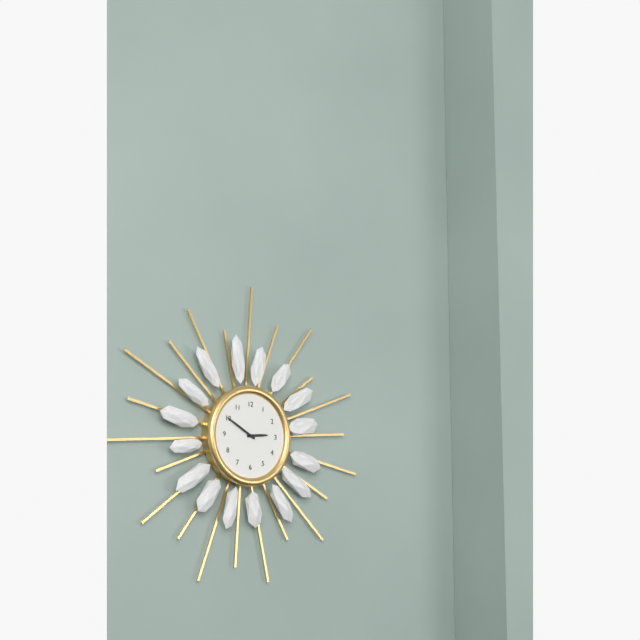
2:50
